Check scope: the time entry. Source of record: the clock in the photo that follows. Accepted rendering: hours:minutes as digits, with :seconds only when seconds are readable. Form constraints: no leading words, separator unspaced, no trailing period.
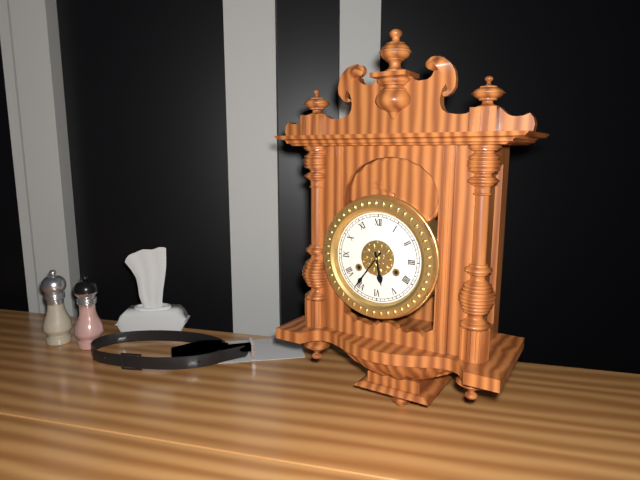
5:36
